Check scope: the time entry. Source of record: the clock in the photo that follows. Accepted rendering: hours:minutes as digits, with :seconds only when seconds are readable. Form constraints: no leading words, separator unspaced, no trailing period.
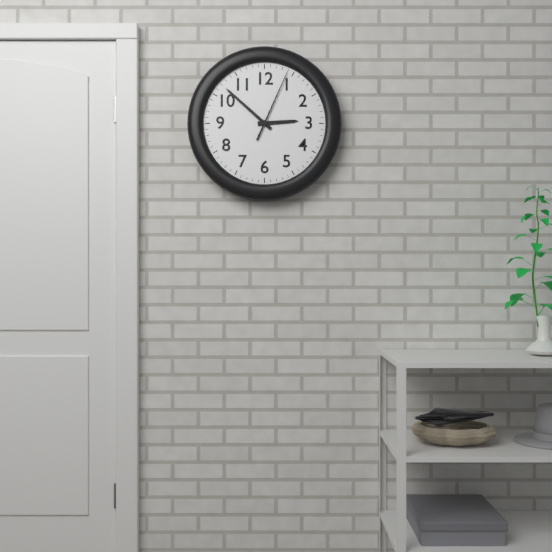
2:52:04
